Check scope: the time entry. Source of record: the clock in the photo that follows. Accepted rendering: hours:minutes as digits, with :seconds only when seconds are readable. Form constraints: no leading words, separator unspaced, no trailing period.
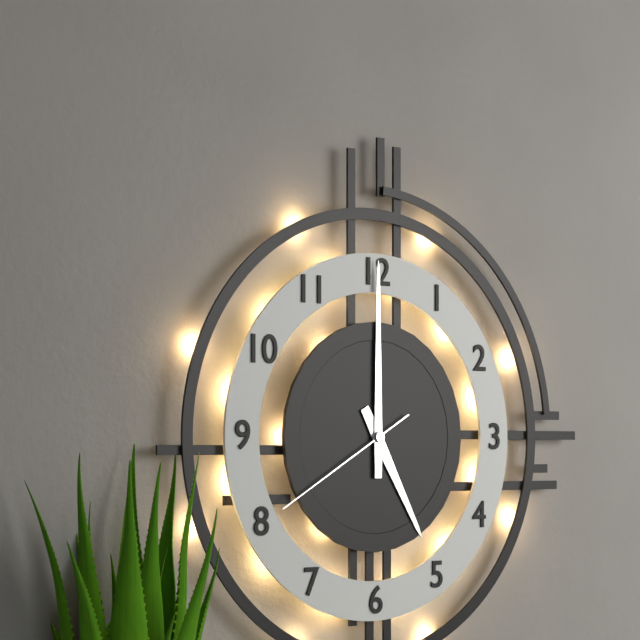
5:00:40
